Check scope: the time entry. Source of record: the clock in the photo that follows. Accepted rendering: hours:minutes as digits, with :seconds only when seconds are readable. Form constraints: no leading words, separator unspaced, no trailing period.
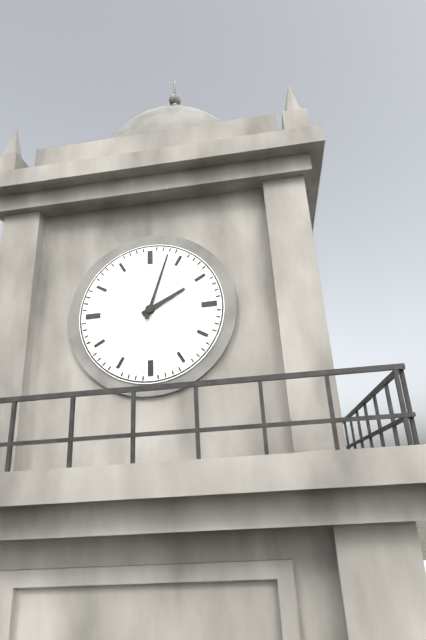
2:03
